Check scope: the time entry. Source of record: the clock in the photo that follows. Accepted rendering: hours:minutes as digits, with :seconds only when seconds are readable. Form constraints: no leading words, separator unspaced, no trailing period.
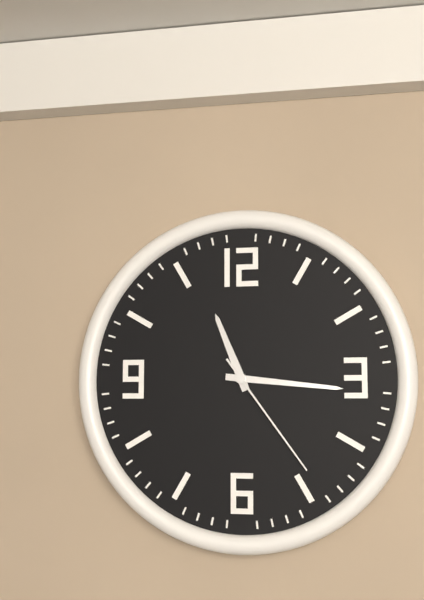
11:16:24
